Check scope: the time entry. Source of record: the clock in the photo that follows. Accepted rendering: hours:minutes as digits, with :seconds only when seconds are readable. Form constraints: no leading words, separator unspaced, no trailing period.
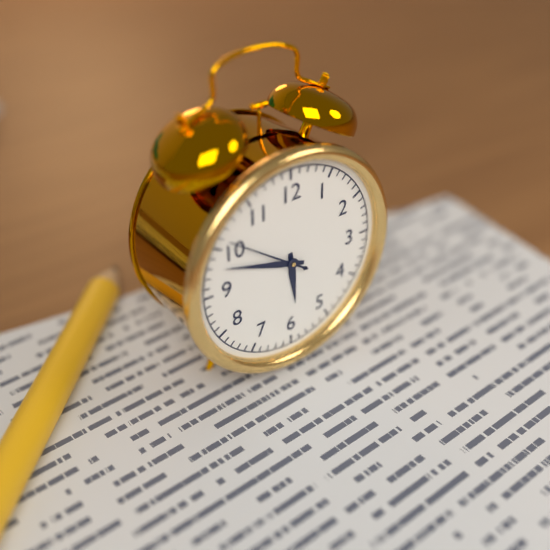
5:48:51
